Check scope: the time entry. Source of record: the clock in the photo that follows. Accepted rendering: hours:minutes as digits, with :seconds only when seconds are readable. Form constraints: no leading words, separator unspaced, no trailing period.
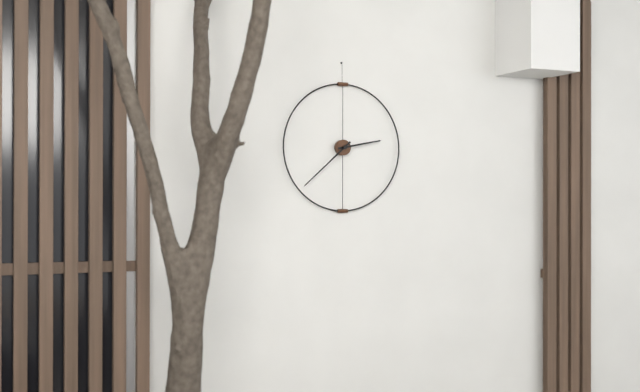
2:38
